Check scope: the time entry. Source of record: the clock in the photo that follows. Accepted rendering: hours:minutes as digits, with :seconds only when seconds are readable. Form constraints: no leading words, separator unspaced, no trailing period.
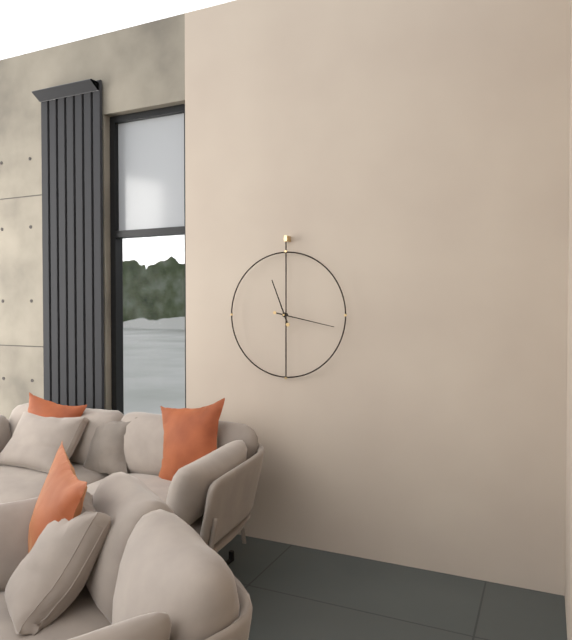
11:17
